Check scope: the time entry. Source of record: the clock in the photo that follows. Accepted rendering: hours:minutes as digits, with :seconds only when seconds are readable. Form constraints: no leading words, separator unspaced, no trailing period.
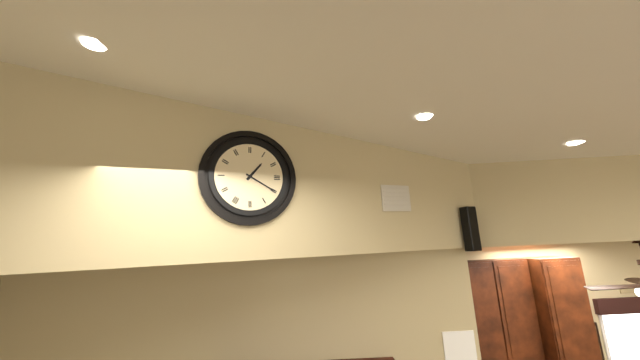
1:20
